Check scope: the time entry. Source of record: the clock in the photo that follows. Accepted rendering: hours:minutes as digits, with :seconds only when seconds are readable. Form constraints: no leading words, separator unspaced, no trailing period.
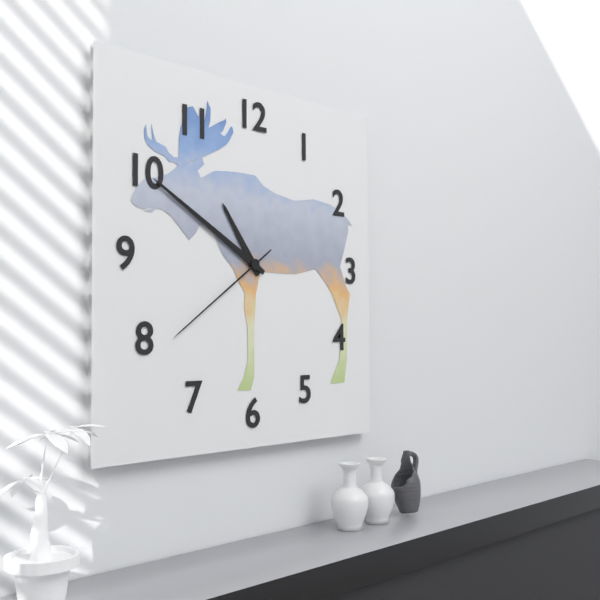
10:50:39
